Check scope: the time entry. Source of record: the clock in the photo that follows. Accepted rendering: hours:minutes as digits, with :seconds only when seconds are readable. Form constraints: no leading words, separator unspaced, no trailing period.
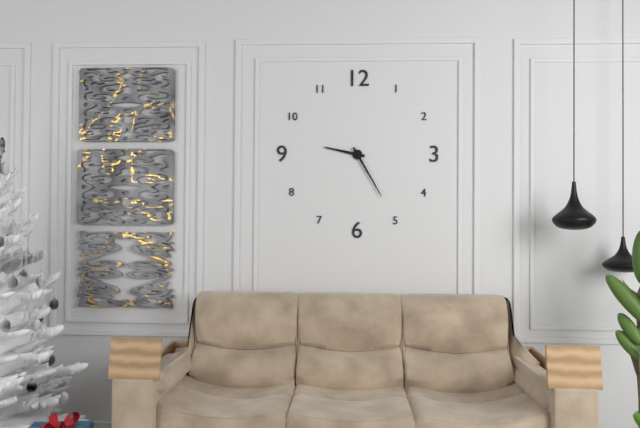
9:25
